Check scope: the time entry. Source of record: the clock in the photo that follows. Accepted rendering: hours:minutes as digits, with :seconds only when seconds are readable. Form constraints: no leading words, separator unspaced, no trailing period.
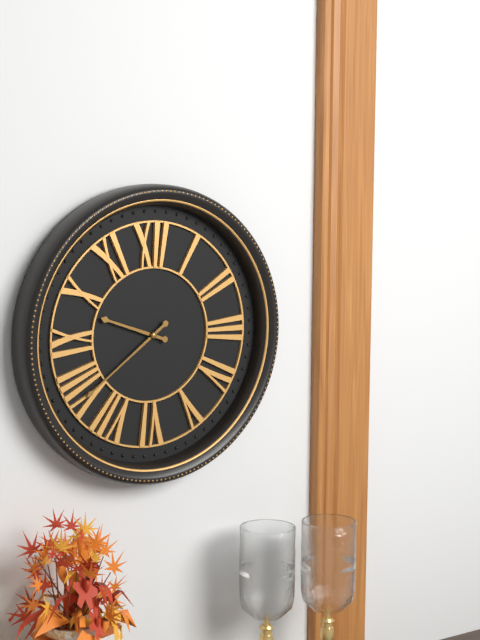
9:39
